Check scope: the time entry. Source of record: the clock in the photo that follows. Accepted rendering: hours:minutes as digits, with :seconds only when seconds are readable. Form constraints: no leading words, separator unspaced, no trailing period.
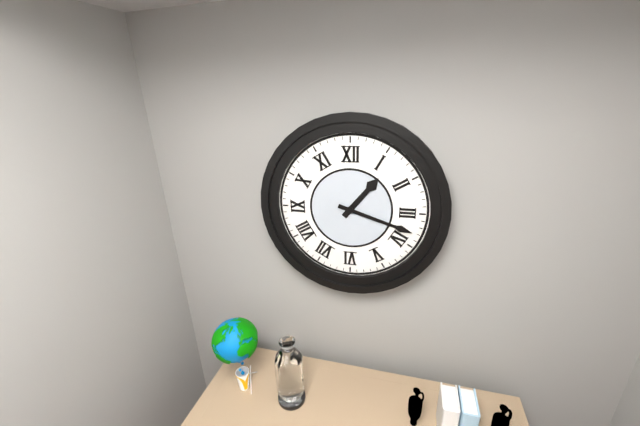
1:18
